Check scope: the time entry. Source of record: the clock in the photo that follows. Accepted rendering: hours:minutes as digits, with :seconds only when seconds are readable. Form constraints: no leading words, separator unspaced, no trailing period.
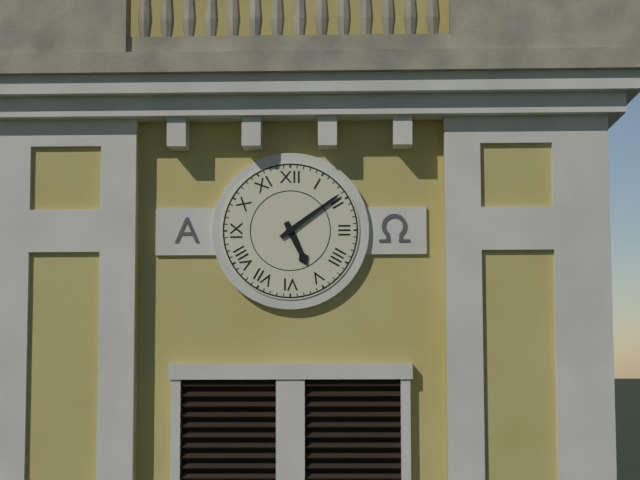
5:09
